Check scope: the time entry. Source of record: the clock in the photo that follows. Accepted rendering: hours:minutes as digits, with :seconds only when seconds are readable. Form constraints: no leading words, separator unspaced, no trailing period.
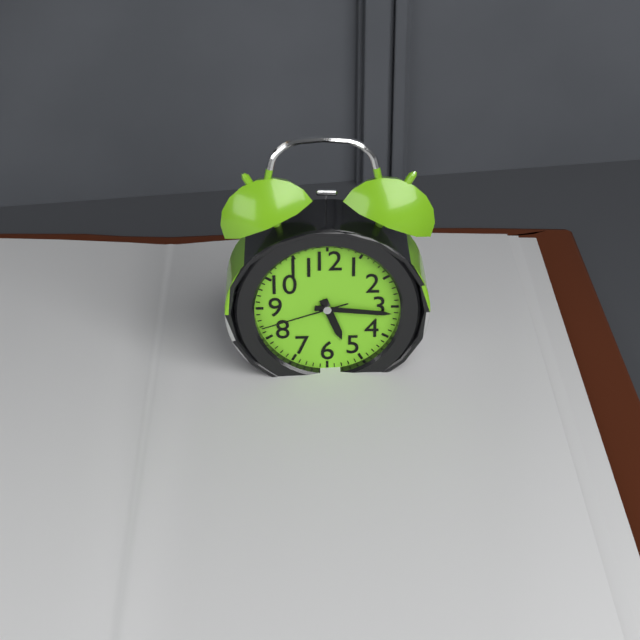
5:16:42
